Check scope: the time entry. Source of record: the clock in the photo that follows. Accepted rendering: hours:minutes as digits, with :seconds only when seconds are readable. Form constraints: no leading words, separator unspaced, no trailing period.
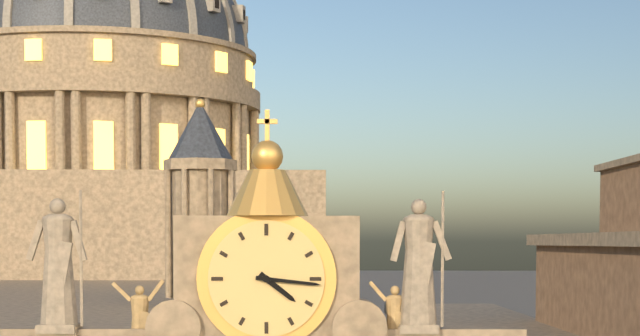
4:16
